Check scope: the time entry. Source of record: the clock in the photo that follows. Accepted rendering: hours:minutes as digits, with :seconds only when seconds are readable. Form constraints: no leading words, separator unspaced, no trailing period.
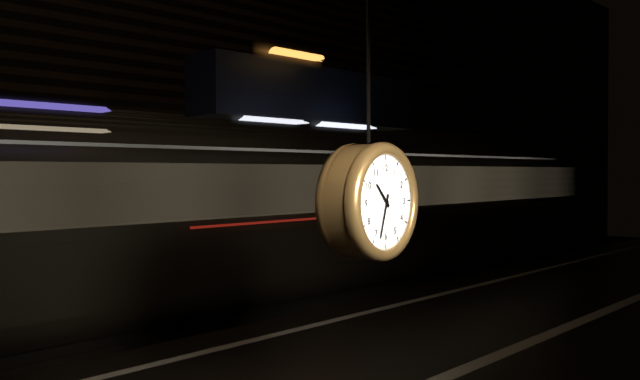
10:33
